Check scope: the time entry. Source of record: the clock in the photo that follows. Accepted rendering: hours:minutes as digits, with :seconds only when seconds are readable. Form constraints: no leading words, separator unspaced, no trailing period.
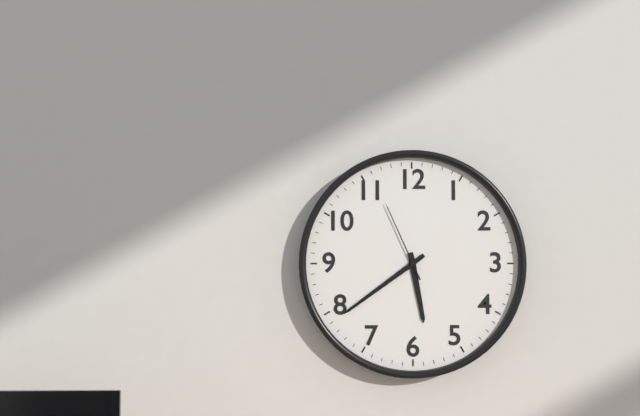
5:39:56
